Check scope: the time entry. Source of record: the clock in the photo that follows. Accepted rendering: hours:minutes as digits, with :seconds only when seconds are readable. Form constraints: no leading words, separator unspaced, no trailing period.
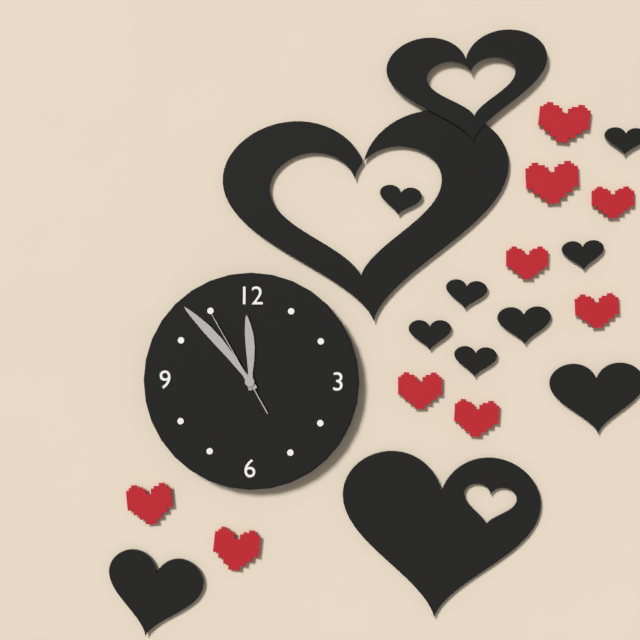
11:53:55
